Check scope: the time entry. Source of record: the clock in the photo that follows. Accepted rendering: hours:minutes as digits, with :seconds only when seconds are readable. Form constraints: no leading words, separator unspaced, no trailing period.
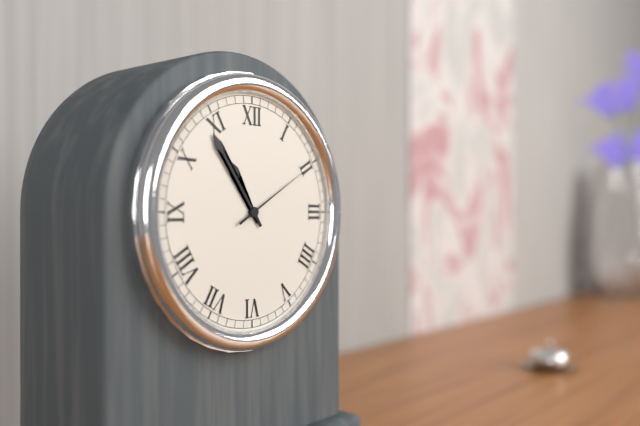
10:54:10
